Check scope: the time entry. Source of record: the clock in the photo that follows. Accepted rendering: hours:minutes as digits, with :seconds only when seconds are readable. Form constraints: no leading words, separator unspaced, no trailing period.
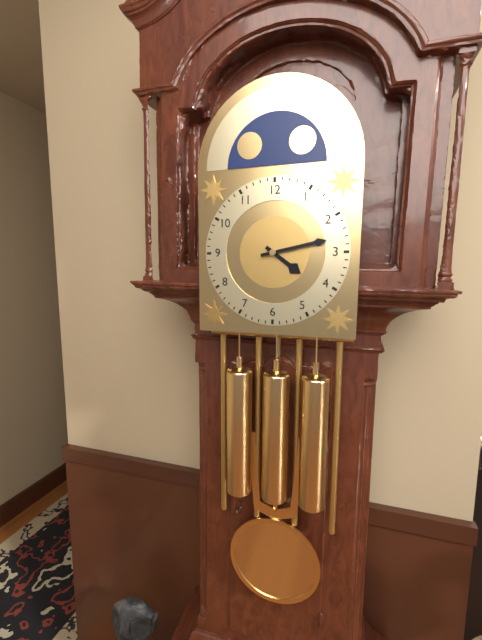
4:13
